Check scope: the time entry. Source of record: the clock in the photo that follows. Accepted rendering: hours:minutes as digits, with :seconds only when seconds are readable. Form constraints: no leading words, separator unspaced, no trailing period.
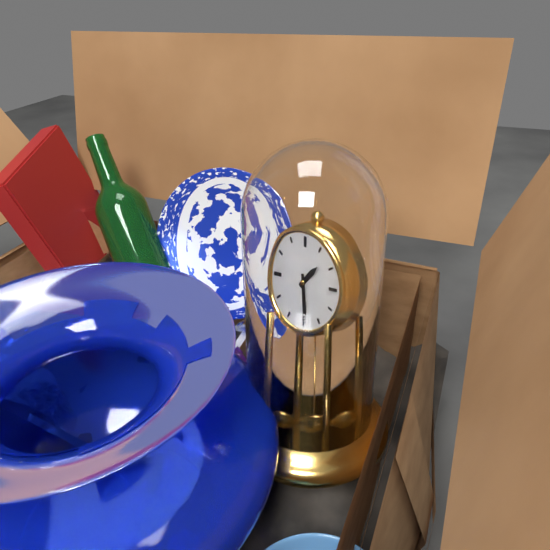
1:29
